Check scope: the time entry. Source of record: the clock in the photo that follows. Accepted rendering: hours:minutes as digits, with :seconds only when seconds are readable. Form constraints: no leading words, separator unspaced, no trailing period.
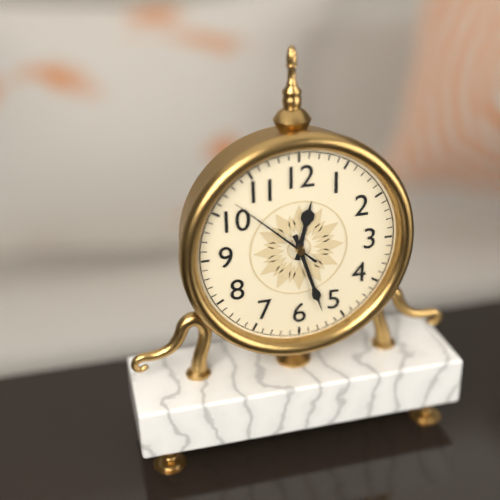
12:27:52
